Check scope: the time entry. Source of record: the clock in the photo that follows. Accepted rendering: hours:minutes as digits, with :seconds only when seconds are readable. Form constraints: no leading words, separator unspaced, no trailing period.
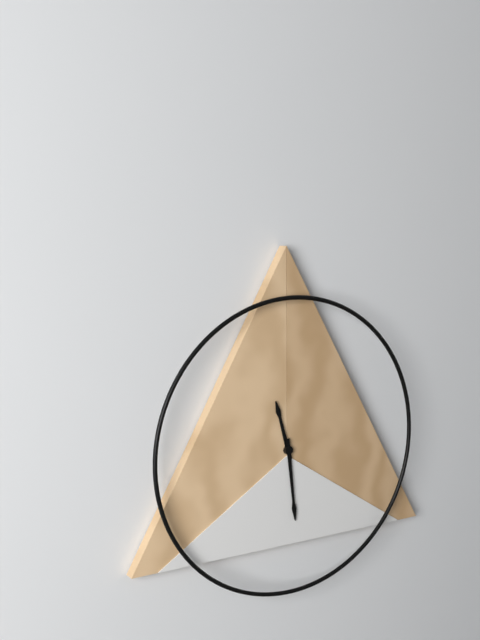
11:29
